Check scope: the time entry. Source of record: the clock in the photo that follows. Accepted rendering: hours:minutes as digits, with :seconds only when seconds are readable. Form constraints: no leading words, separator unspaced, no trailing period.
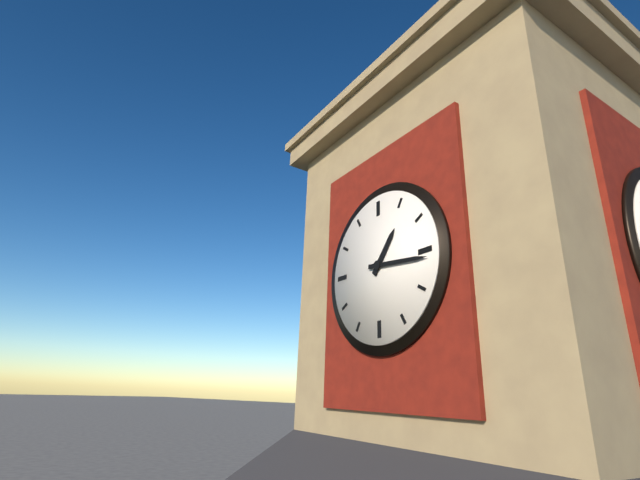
1:16
